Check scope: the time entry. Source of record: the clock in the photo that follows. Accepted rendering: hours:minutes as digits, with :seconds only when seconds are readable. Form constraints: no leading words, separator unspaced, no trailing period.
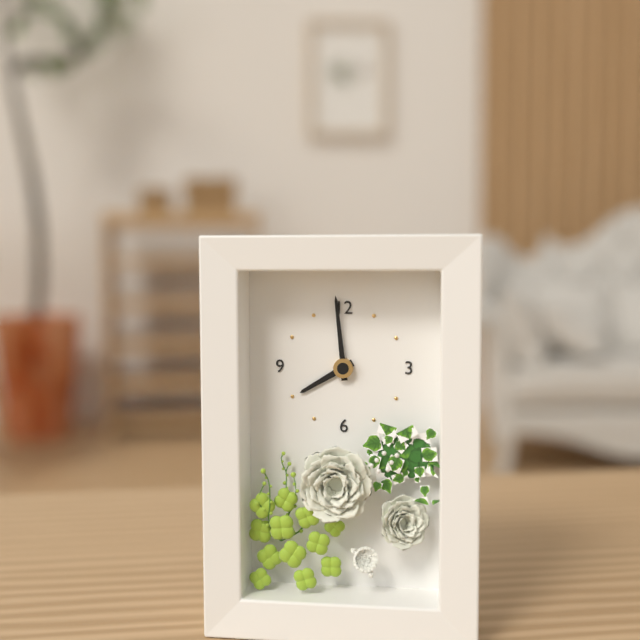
7:59
